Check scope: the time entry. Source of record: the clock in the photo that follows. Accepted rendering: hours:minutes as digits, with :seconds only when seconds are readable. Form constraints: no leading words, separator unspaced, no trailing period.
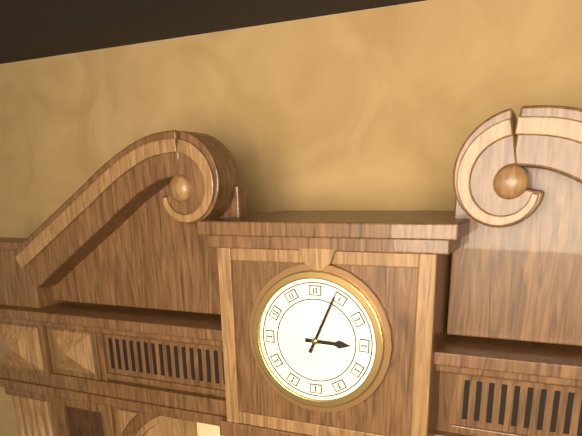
3:04
